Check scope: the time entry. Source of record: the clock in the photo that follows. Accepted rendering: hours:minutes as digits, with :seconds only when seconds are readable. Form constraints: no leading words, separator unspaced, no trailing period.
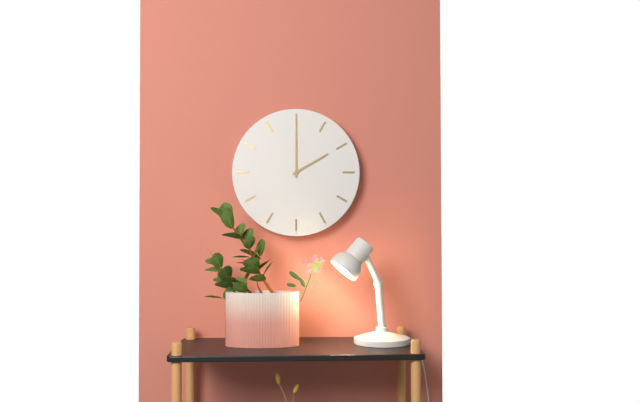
2:00
